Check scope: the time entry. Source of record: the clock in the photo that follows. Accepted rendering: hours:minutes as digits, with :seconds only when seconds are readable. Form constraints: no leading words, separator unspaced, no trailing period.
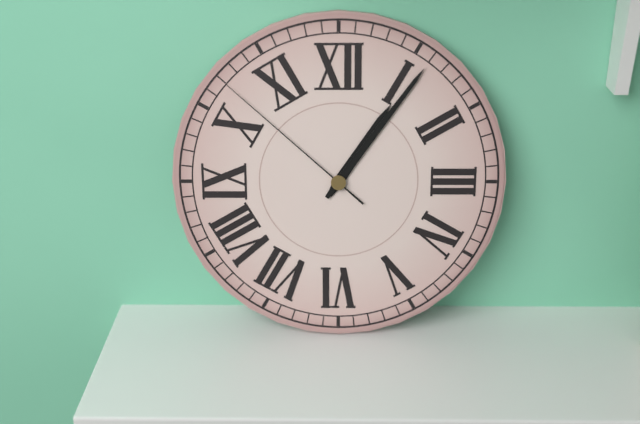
1:06:52
